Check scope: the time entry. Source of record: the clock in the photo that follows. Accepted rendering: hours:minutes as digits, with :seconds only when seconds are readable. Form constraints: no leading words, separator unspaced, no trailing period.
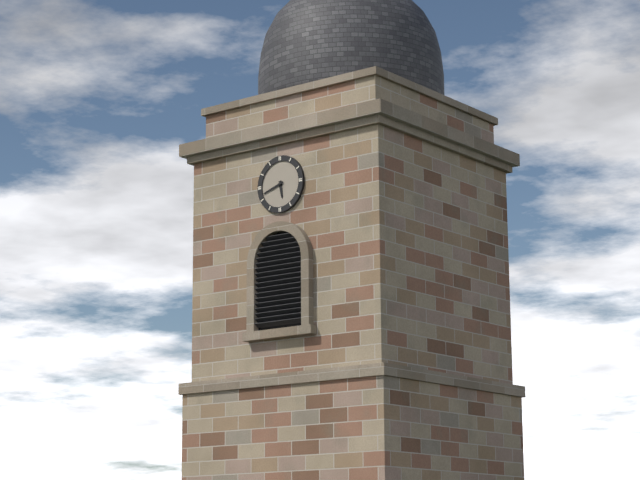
5:42
